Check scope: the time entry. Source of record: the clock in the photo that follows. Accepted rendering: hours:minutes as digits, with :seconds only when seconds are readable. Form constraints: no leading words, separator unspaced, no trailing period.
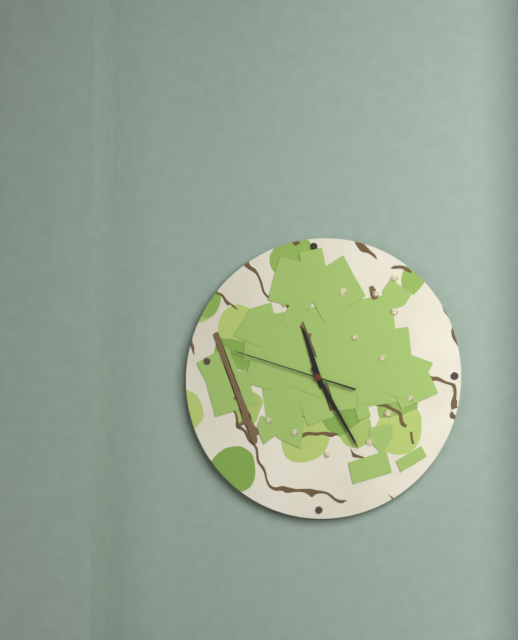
11:25:48
